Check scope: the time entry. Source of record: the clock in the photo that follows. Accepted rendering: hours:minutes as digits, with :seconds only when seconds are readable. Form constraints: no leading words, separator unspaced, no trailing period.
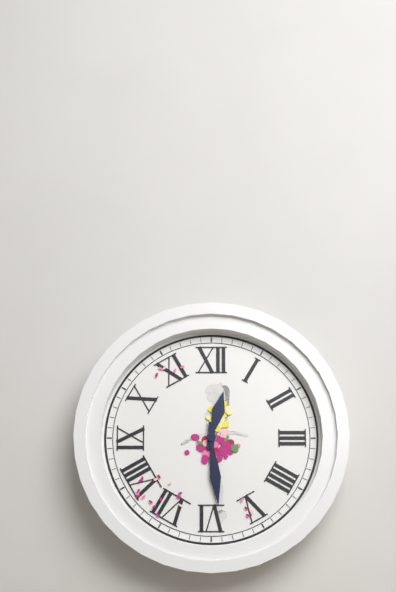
12:29
